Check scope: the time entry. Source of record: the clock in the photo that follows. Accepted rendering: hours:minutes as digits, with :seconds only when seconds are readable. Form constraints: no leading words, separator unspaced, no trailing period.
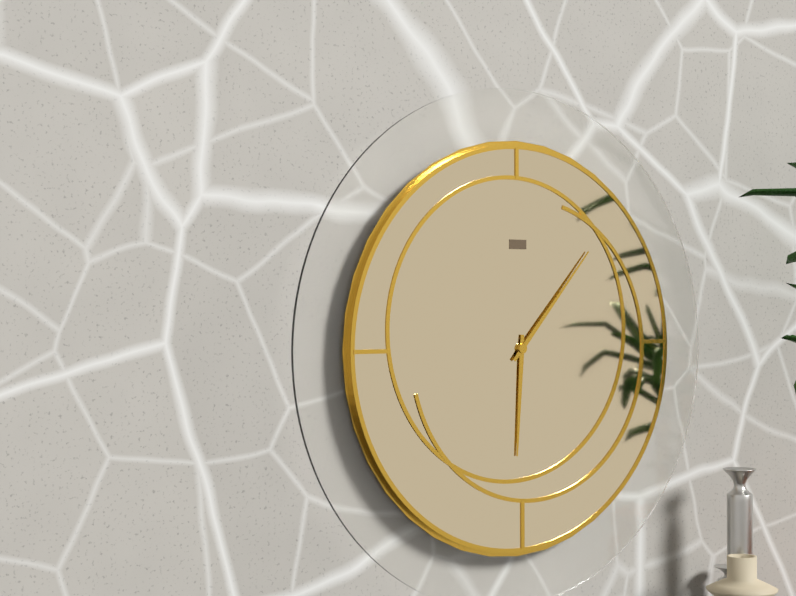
6:07
